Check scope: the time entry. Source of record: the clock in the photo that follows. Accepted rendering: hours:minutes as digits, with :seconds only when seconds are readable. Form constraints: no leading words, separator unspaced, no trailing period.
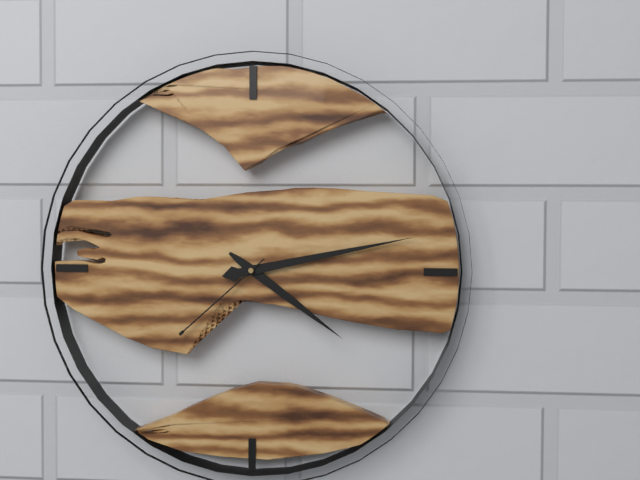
4:13:38
